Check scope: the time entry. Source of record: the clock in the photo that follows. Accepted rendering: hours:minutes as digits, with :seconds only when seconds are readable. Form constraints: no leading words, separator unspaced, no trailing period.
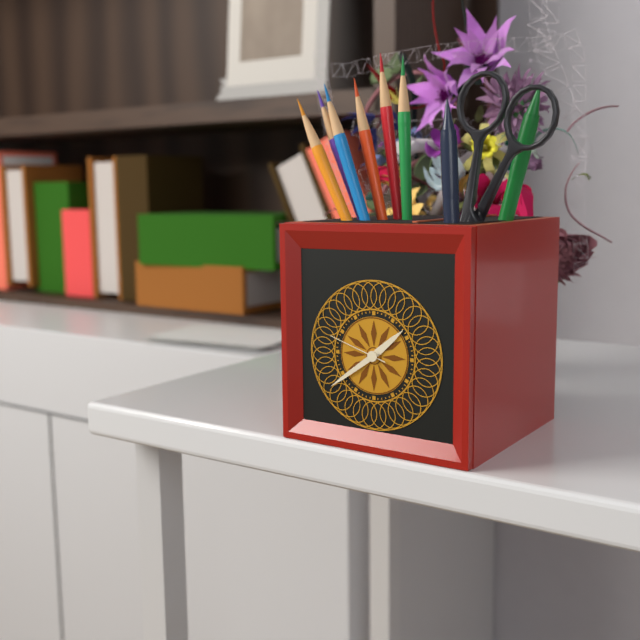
1:39:48
